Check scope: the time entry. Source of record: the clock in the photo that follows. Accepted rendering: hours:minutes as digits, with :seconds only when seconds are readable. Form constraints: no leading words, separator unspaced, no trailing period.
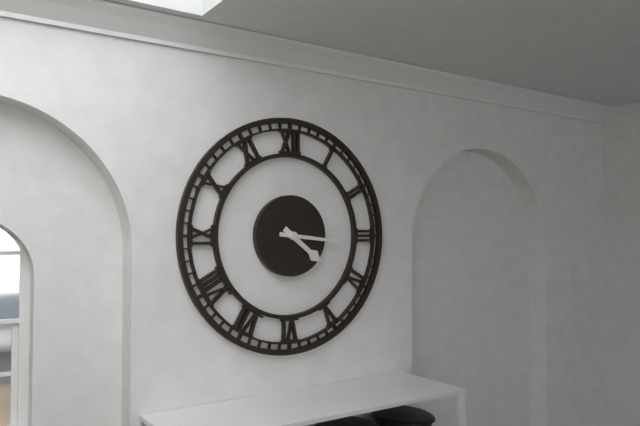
4:16
